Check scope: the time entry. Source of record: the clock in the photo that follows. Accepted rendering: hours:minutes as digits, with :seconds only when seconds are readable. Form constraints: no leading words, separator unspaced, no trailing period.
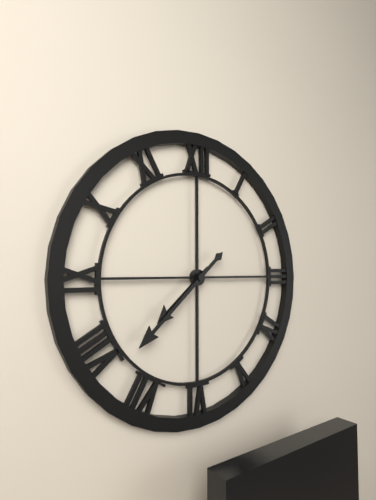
7:38
